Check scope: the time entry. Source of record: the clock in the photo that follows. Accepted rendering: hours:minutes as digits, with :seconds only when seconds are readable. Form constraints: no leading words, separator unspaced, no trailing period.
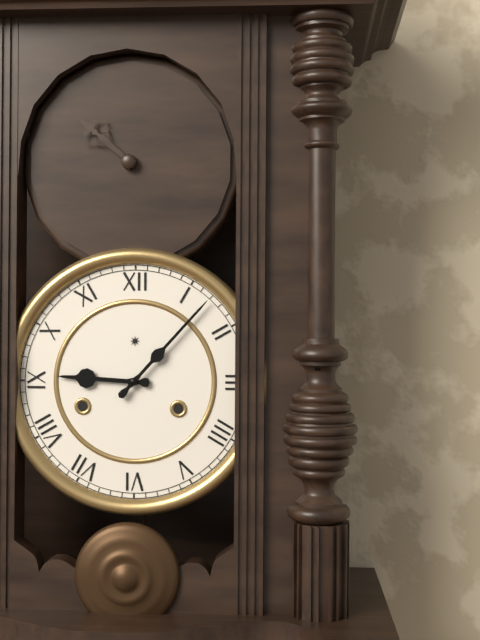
9:07
